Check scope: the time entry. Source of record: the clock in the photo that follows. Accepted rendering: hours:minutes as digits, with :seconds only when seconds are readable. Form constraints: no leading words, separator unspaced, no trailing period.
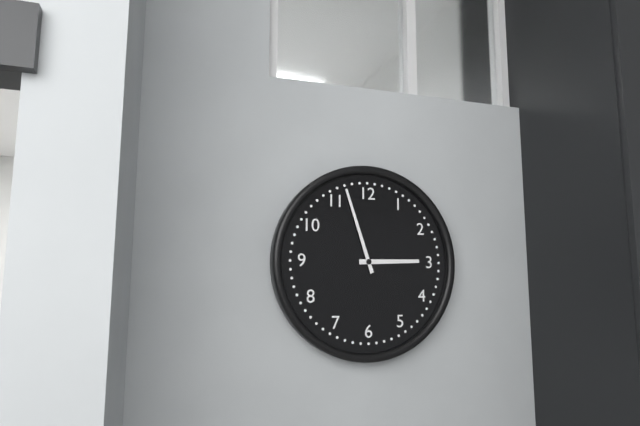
2:57
